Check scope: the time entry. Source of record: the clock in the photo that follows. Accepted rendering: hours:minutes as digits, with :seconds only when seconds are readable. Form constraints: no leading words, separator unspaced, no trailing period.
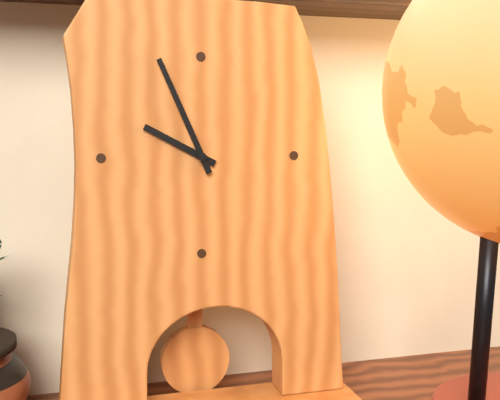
9:56
